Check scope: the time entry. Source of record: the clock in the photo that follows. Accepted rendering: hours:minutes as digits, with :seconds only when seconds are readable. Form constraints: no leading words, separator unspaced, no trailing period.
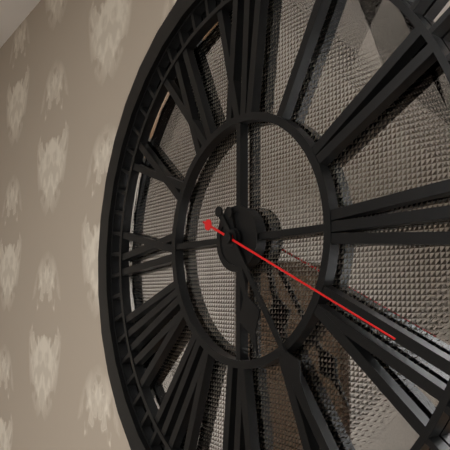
5:24:19
